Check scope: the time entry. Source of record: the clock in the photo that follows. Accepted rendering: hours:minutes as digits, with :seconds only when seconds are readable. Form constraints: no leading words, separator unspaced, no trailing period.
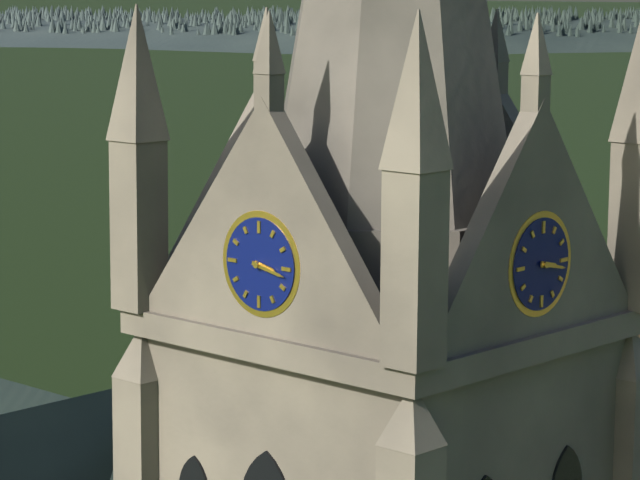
3:17
